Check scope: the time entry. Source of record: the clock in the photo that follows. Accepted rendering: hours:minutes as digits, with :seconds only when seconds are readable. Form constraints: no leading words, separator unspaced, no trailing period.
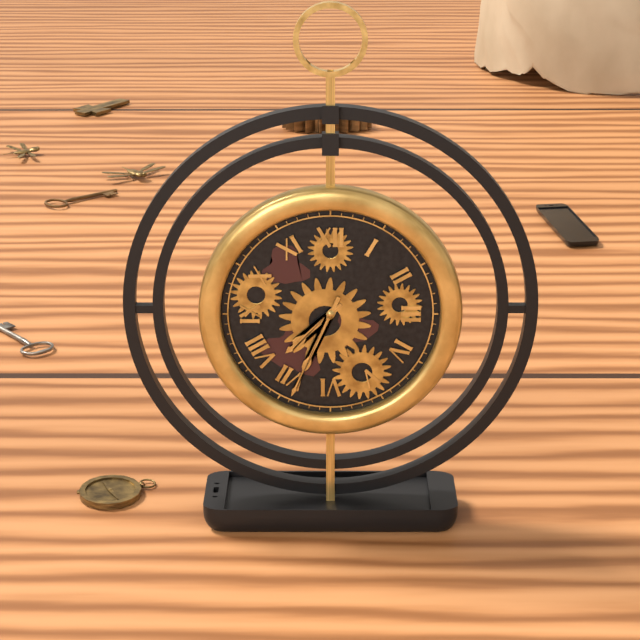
7:34
